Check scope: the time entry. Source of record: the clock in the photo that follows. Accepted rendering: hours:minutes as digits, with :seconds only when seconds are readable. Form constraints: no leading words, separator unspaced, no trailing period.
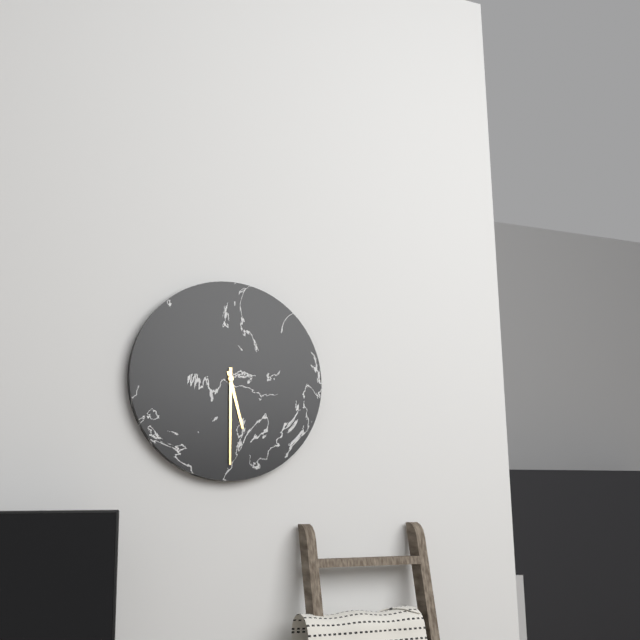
5:30
